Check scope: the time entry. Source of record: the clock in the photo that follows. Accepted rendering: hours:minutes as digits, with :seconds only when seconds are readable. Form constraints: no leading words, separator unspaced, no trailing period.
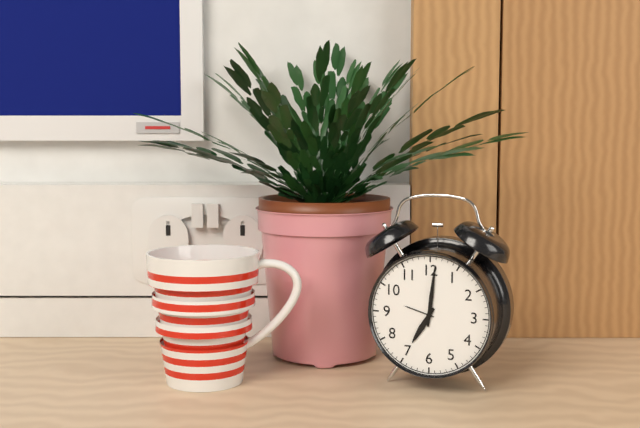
7:01
